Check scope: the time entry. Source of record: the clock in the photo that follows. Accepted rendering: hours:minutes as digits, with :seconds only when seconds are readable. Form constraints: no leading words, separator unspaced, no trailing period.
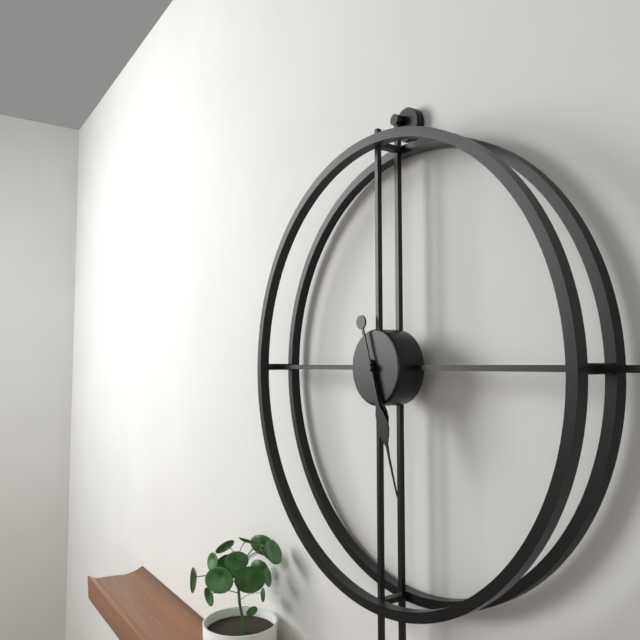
5:27
